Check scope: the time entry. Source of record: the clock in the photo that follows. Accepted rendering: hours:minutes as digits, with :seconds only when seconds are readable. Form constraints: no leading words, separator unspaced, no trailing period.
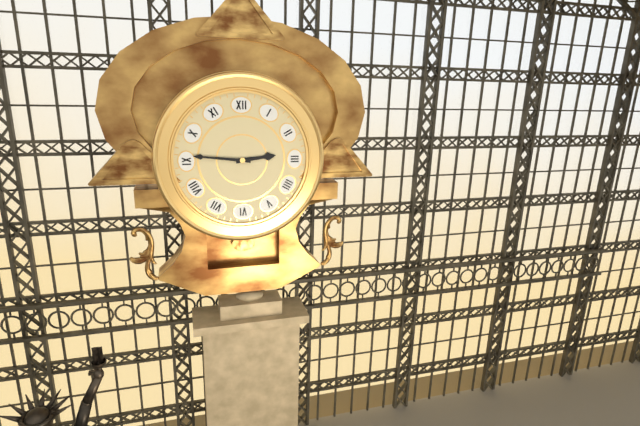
2:46
